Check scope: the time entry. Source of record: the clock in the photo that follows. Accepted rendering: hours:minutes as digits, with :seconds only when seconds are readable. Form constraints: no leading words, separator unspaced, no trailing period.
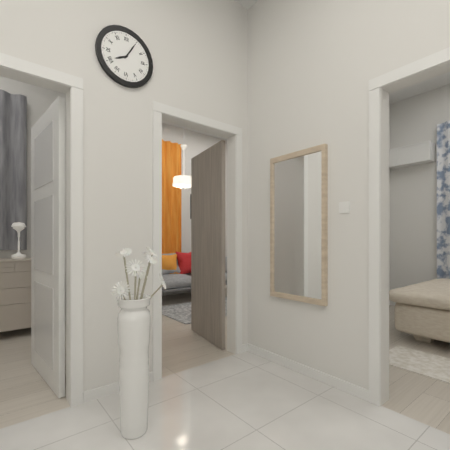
8:05
